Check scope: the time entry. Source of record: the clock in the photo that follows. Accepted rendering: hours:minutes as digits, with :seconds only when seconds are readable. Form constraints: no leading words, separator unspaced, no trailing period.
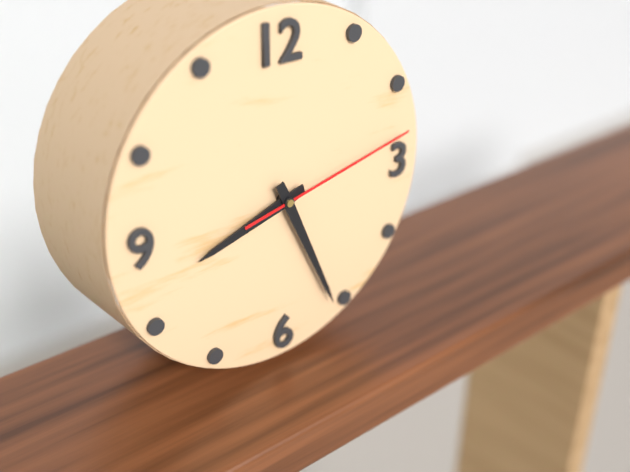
8:26:13
